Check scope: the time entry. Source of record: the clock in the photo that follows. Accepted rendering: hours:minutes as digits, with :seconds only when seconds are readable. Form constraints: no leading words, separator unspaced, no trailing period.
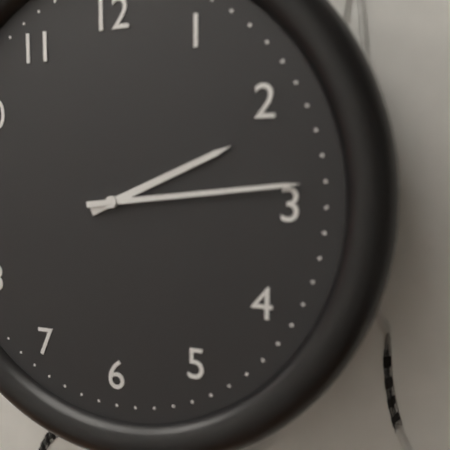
2:14
